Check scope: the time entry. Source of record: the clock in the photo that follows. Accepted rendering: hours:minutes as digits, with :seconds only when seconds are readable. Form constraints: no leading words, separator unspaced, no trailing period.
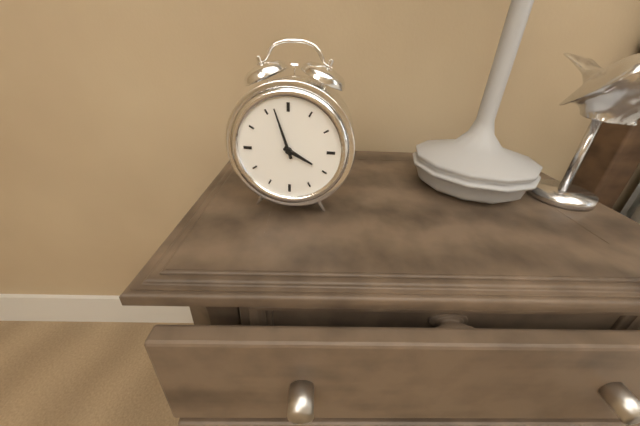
3:57
